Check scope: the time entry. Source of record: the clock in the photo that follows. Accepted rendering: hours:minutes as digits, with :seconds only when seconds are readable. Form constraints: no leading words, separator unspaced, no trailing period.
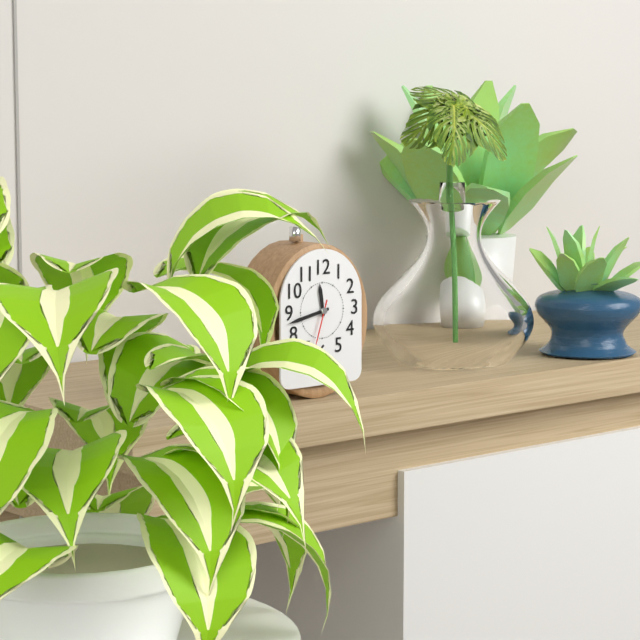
11:43
